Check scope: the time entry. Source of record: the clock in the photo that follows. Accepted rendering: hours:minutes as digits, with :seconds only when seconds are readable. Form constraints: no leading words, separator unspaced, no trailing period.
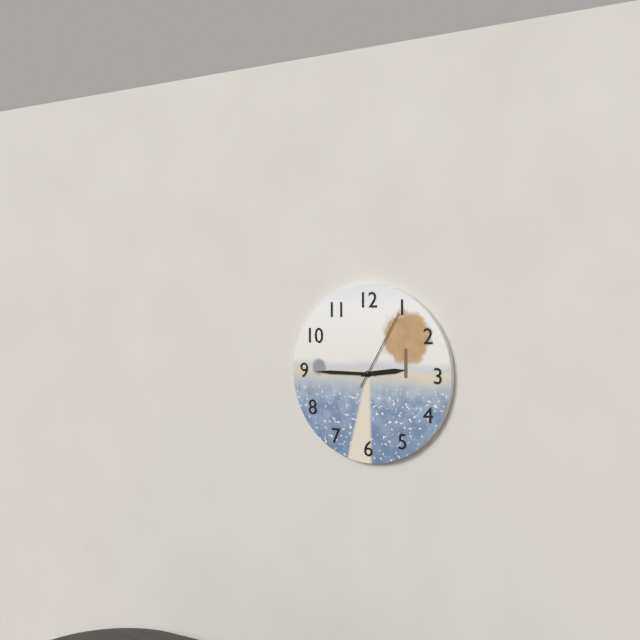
2:45:05
